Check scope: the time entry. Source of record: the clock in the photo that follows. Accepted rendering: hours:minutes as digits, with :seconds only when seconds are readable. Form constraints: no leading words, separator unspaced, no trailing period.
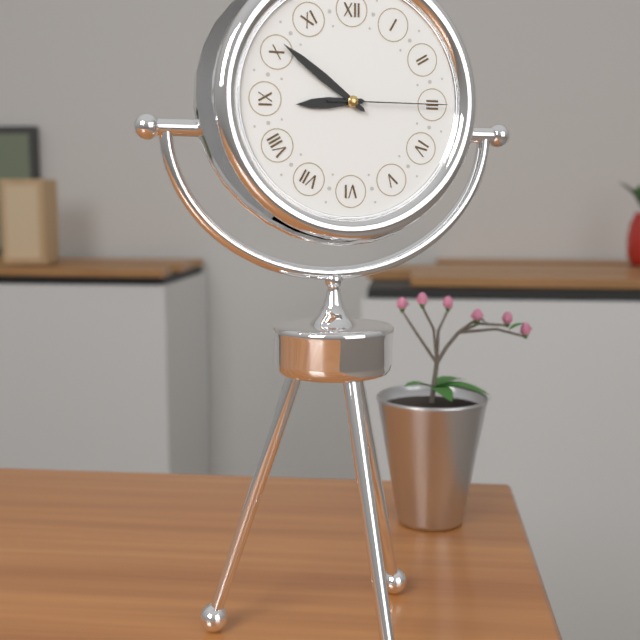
8:51:15
